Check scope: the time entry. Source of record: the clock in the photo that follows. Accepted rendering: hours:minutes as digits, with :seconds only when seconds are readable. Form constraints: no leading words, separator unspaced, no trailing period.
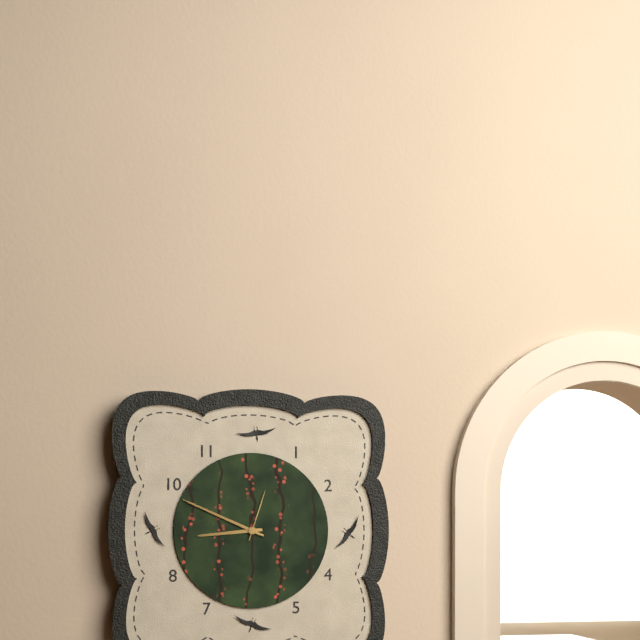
8:49:03
